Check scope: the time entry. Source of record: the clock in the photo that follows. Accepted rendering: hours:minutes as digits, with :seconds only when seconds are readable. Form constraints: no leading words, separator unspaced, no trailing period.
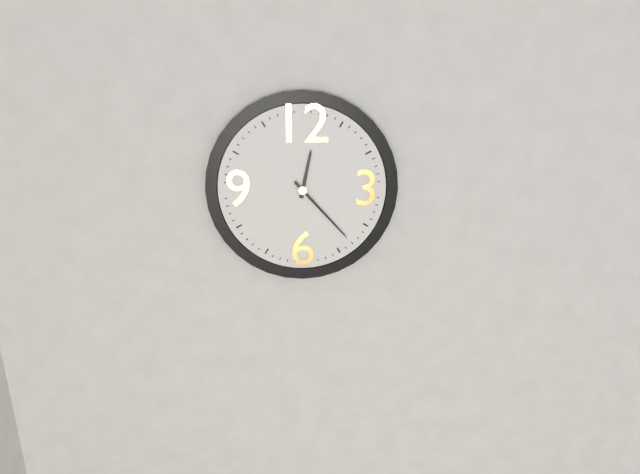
12:23
